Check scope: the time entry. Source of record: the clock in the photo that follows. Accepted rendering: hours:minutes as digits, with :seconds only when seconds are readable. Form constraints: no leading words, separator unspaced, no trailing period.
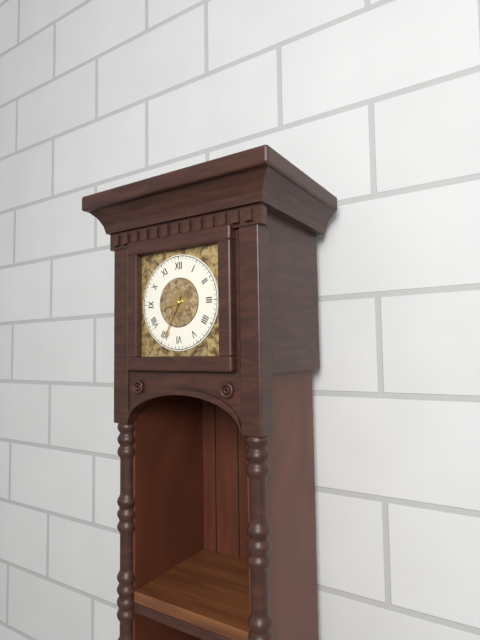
8:34
